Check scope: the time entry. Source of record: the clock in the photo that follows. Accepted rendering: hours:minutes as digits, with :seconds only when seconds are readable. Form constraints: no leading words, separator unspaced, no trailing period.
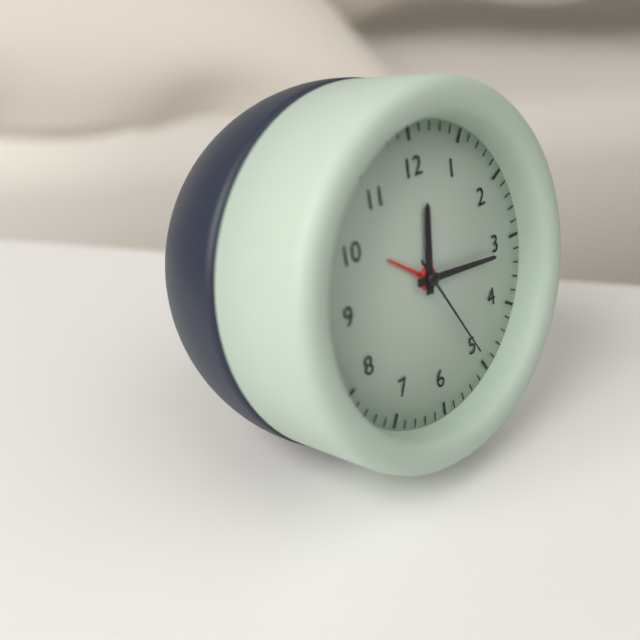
12:16:25
